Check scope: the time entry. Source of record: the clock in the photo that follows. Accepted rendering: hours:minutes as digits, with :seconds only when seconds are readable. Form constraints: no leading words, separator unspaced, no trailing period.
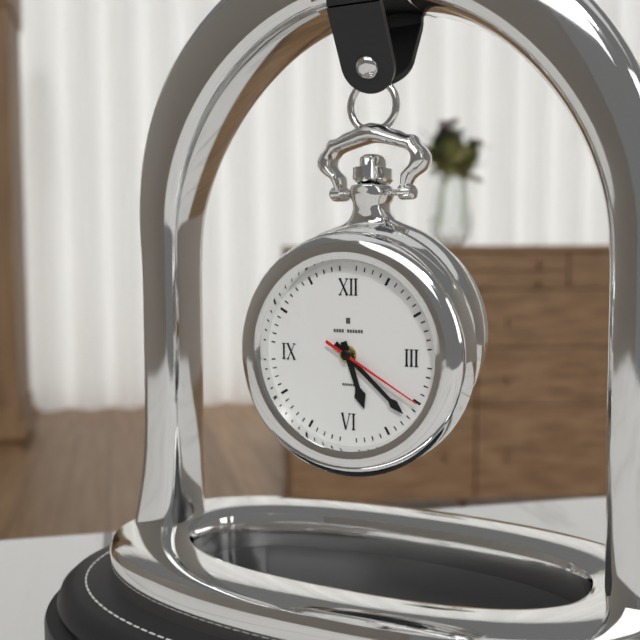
5:22:20
